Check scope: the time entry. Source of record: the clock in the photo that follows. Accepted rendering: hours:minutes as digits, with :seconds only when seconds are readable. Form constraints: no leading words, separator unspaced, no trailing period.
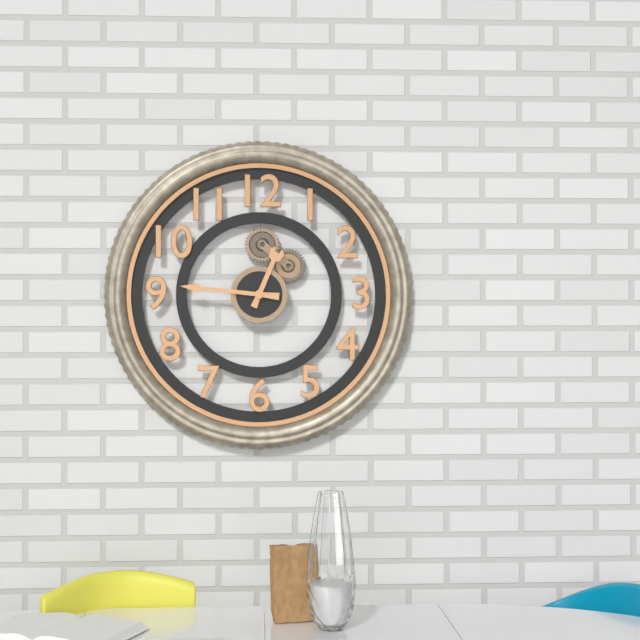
12:46
